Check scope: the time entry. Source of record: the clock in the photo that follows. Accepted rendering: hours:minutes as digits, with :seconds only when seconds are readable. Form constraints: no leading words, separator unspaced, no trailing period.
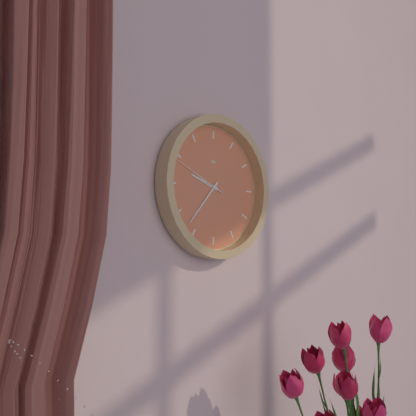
9:37:49
